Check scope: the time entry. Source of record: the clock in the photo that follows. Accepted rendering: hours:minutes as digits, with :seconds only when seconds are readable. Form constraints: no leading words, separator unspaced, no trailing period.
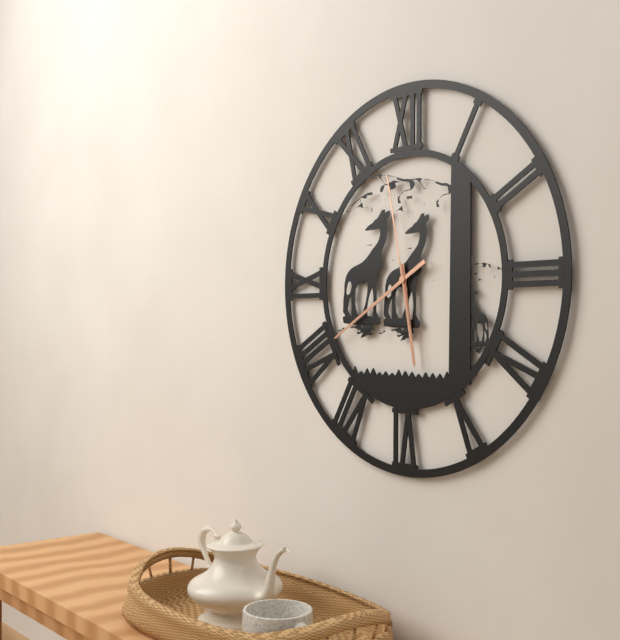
5:40:58
